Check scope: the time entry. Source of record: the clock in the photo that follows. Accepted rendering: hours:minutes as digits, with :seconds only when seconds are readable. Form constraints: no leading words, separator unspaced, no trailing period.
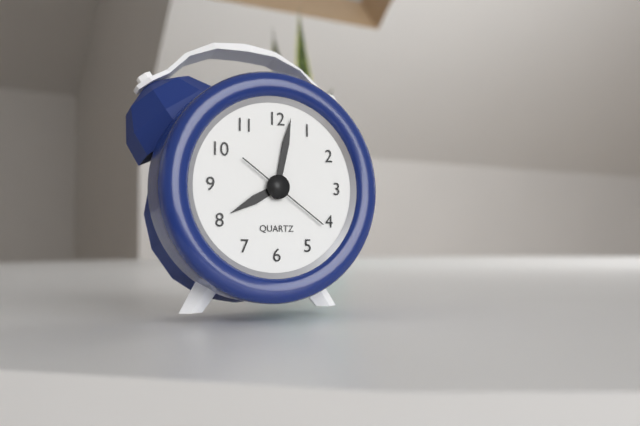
8:02:21
